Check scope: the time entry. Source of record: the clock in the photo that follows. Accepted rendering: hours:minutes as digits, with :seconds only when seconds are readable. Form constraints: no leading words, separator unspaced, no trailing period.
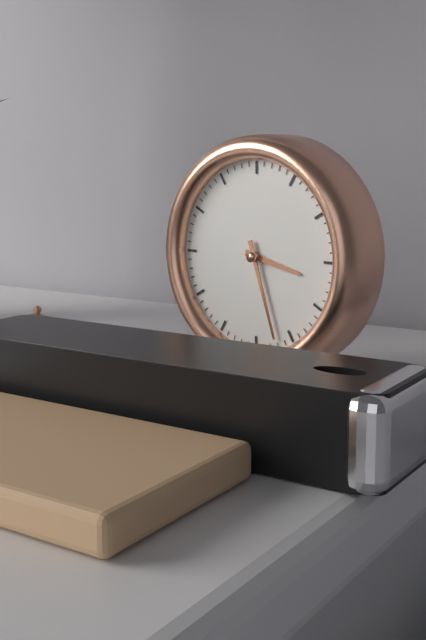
3:27
